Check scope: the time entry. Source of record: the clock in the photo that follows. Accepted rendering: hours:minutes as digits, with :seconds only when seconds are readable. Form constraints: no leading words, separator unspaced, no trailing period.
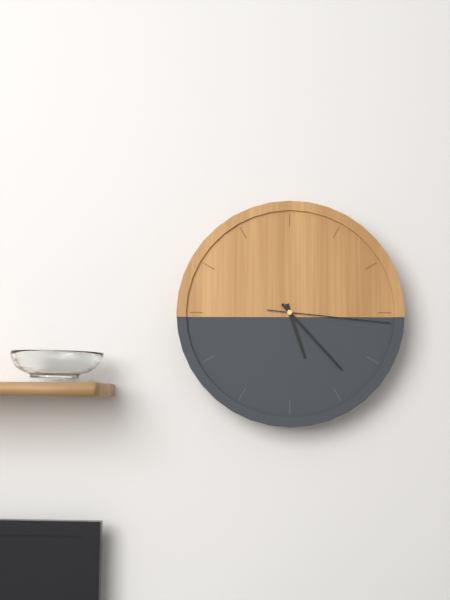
5:23:16
